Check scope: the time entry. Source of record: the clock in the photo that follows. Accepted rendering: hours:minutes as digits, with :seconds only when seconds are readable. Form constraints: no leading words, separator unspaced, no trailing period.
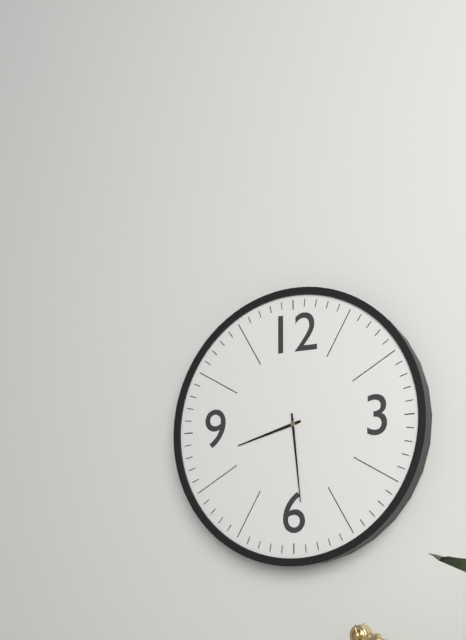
8:29
